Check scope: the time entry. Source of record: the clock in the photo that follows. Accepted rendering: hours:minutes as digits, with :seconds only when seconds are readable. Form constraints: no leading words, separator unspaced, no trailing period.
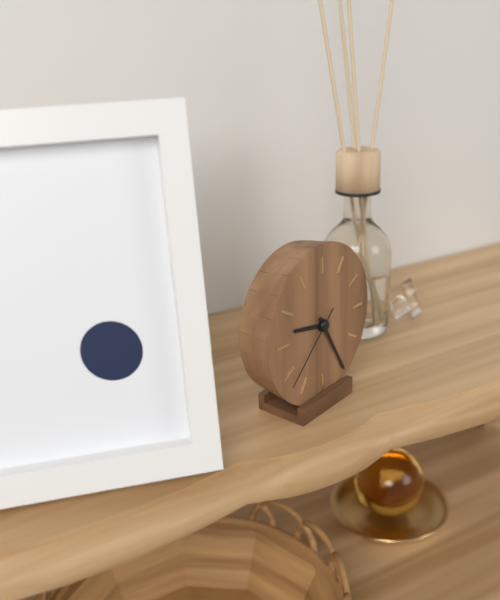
9:25:38
